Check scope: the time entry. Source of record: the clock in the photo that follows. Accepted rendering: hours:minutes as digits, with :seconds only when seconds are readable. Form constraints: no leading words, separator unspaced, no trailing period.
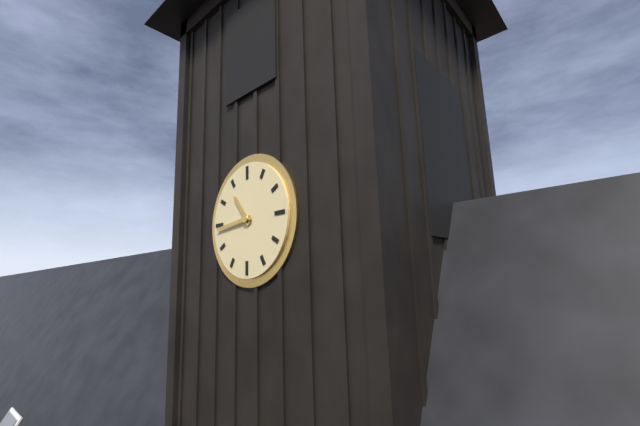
10:44
